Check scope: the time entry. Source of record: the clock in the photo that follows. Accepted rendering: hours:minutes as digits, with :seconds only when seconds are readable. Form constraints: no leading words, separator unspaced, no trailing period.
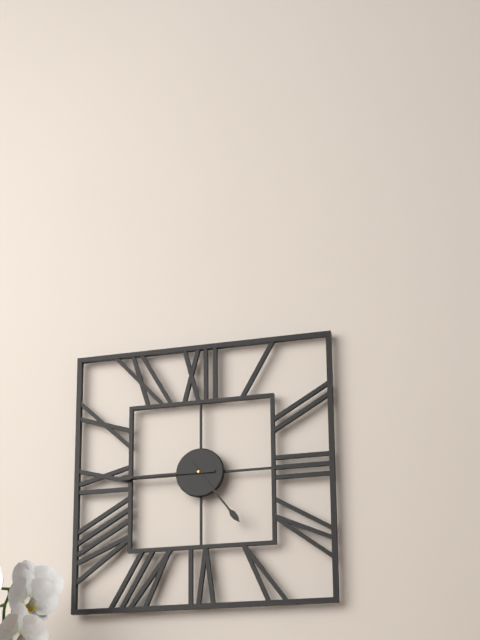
4:45
